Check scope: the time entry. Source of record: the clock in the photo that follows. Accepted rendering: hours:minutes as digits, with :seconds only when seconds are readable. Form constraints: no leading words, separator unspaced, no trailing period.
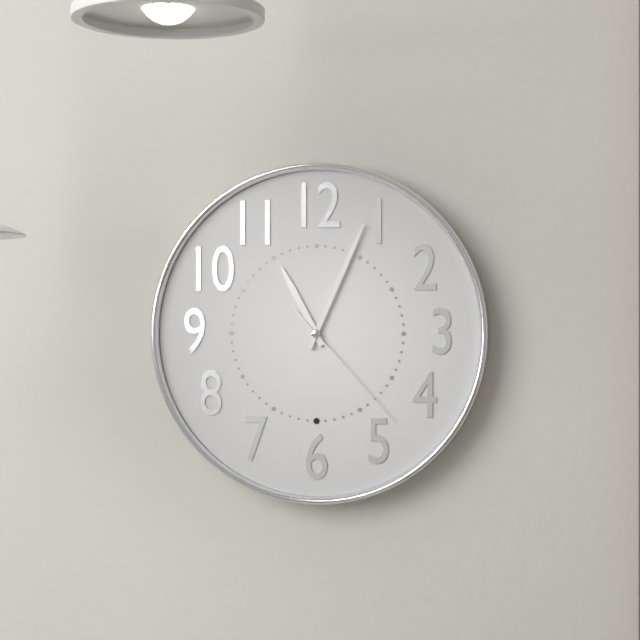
11:04:23
